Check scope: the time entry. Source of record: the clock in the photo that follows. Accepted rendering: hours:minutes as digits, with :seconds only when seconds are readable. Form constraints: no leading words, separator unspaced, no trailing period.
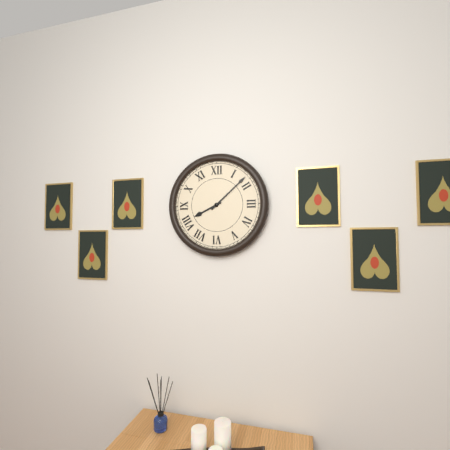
8:08
